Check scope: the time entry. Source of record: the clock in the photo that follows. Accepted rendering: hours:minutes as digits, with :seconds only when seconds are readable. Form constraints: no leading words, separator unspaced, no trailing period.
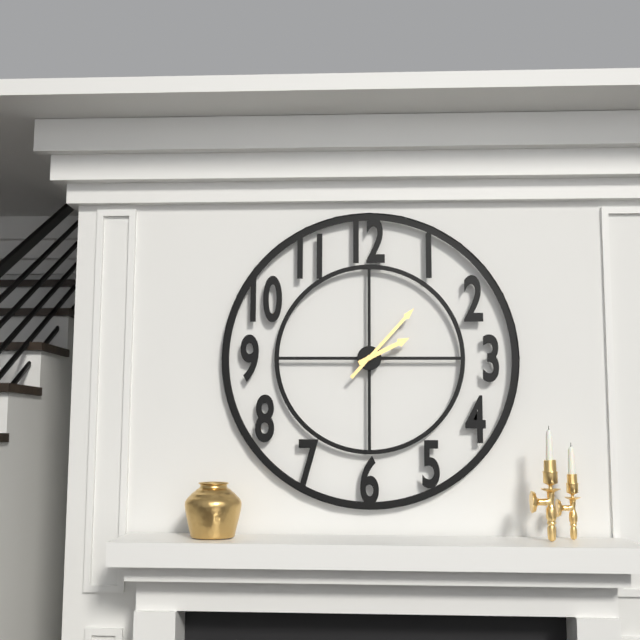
2:07
